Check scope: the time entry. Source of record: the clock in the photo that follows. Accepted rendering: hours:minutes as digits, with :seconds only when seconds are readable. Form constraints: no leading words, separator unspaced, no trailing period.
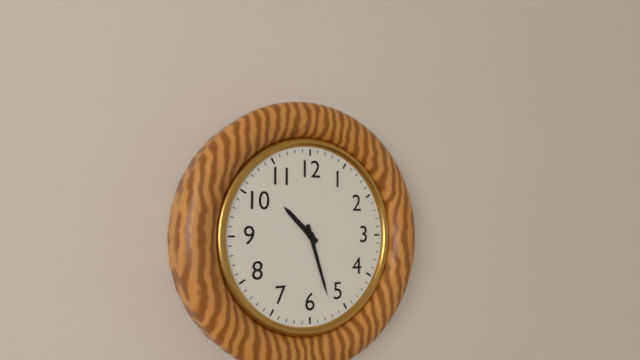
10:27
